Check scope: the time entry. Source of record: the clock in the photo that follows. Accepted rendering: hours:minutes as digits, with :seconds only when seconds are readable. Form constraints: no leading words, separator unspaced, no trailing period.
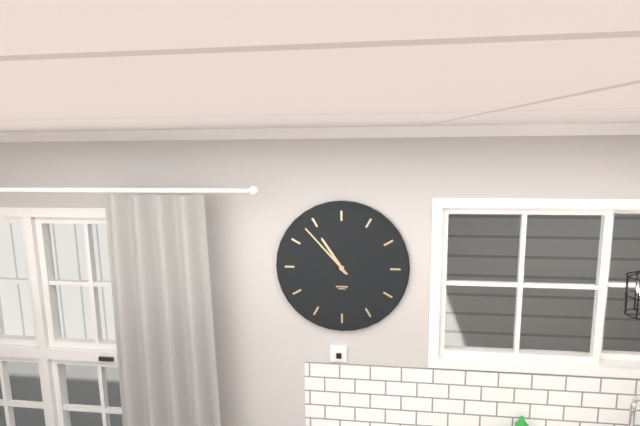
10:53
